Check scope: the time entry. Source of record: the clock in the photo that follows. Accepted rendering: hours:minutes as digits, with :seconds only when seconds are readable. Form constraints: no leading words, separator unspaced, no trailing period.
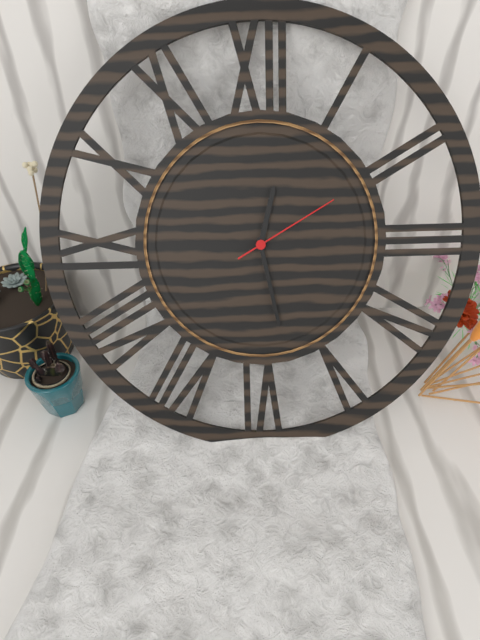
12:28:10
